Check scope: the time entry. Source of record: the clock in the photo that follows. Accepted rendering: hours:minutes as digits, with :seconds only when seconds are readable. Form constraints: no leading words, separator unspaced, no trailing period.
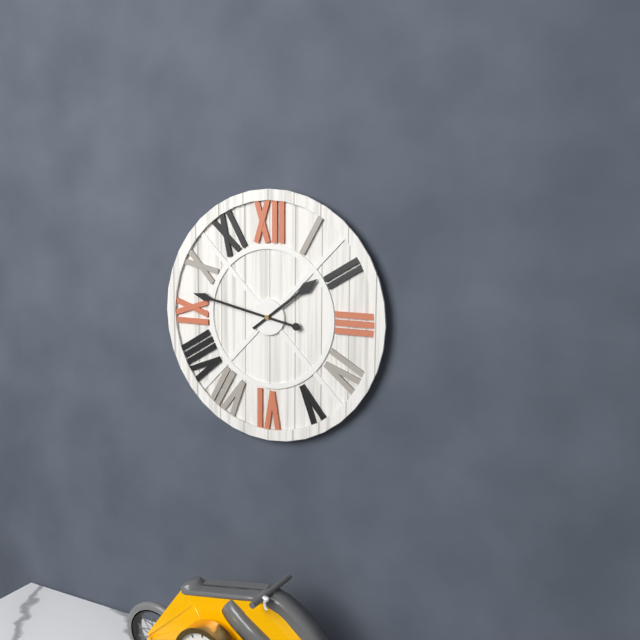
1:47
